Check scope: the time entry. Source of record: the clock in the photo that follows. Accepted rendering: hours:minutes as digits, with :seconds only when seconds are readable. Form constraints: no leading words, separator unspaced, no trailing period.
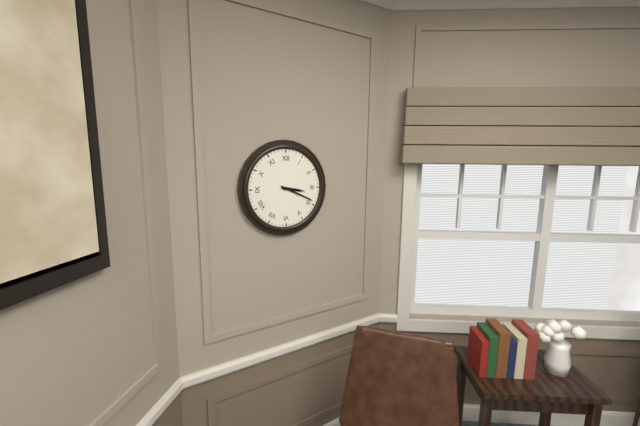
3:19
